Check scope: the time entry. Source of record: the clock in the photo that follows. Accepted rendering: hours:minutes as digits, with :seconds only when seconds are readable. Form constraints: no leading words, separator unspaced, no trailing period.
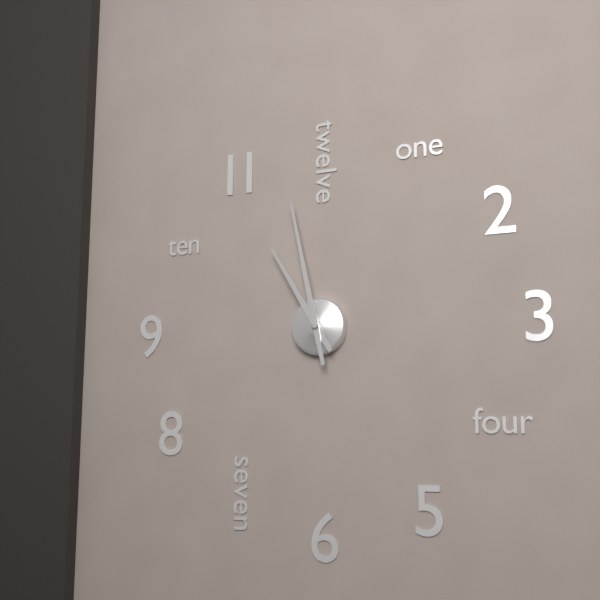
10:58
